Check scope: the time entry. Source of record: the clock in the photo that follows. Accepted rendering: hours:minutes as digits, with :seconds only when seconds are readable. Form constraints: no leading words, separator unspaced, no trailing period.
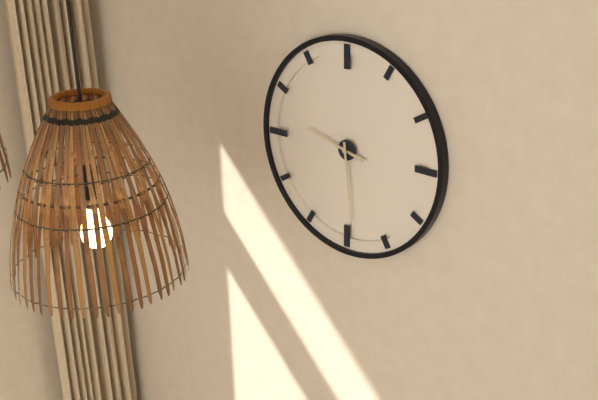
9:29
